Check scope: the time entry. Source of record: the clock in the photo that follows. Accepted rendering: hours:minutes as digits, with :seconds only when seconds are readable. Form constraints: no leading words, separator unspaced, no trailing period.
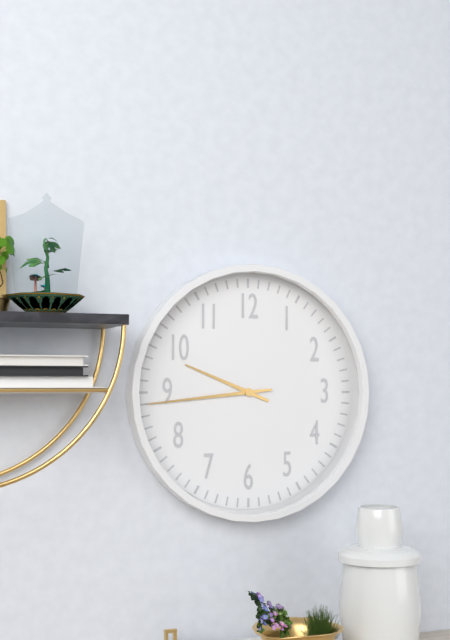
9:44
